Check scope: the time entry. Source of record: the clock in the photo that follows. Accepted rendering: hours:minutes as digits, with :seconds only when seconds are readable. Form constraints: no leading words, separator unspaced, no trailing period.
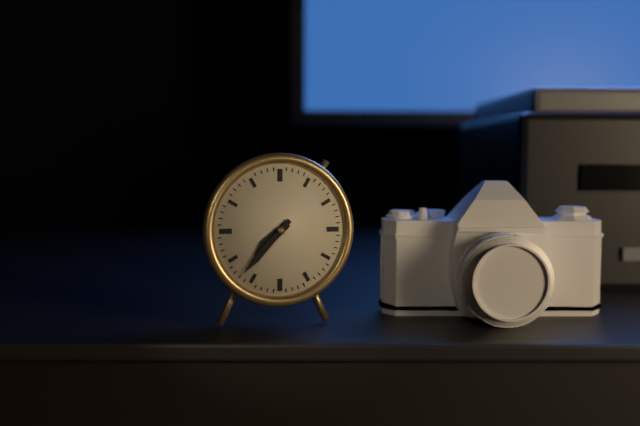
7:37
